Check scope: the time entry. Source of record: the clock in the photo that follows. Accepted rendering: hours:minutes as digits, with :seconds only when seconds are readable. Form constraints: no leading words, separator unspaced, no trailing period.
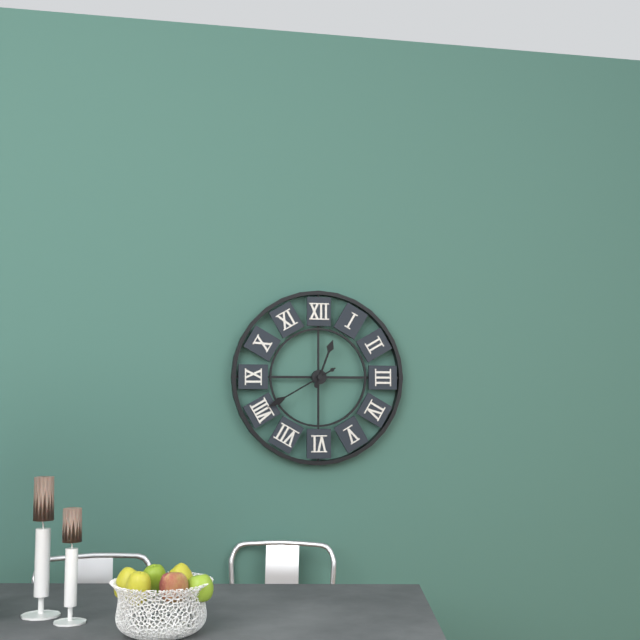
12:40
